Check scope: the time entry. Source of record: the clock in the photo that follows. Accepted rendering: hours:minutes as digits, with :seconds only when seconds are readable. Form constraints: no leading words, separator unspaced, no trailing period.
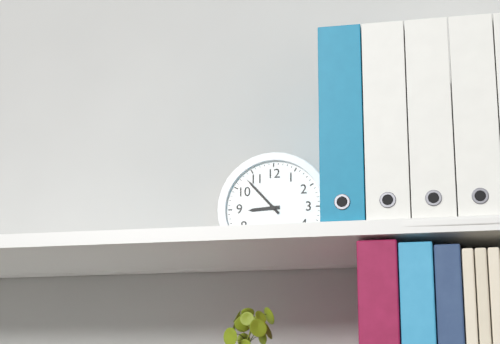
8:53
